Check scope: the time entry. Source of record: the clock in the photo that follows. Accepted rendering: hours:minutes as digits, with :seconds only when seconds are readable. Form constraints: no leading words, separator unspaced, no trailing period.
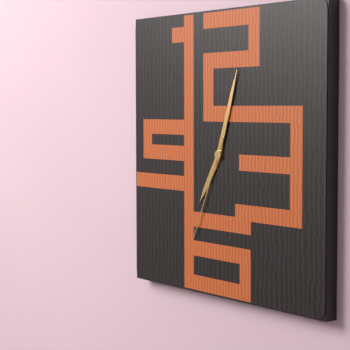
7:03:34
